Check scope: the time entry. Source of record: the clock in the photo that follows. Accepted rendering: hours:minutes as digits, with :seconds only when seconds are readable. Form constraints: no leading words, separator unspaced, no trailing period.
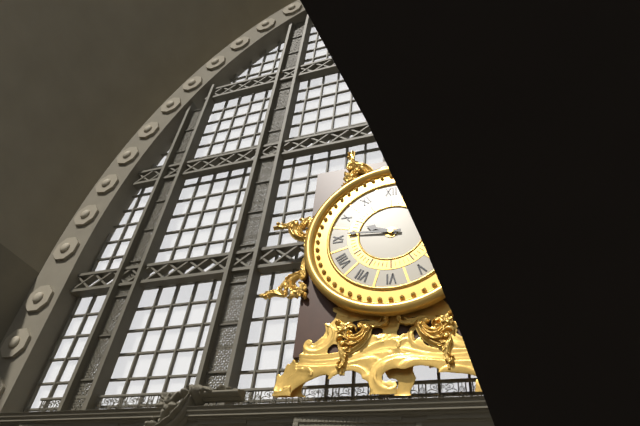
9:46
